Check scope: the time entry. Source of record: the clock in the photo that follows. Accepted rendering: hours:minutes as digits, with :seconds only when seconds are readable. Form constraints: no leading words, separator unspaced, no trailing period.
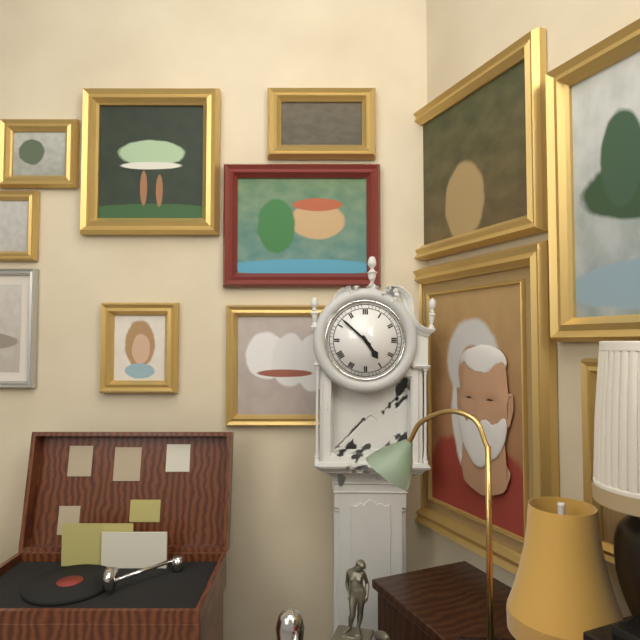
4:52
